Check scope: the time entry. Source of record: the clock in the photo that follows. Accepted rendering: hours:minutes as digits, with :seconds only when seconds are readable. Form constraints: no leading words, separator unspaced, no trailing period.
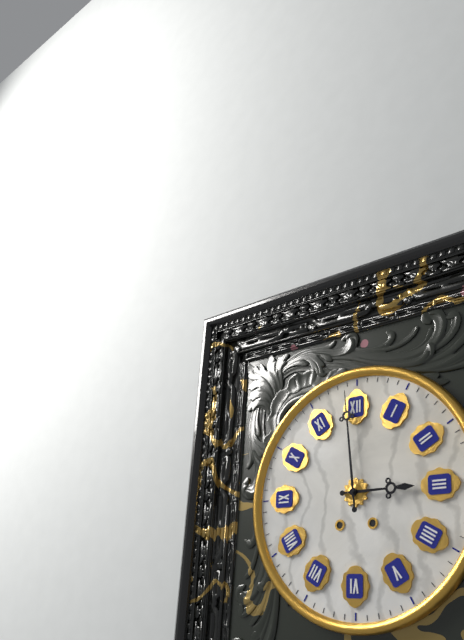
2:59
